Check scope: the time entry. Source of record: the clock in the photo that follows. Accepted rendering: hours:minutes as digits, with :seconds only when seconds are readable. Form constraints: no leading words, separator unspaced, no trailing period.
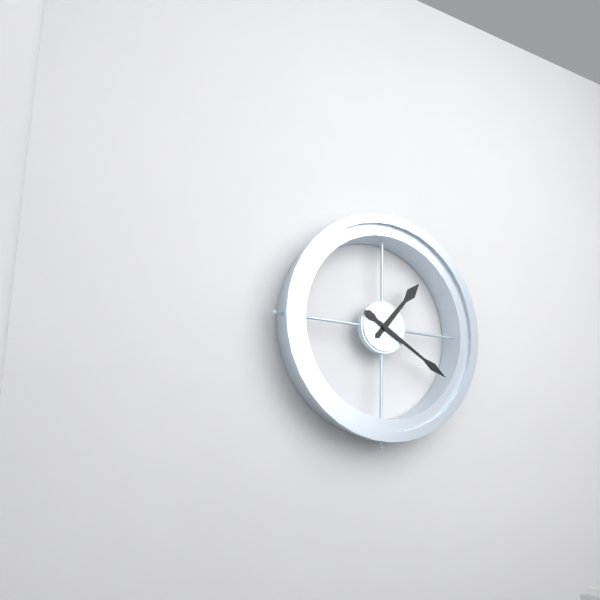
1:20
